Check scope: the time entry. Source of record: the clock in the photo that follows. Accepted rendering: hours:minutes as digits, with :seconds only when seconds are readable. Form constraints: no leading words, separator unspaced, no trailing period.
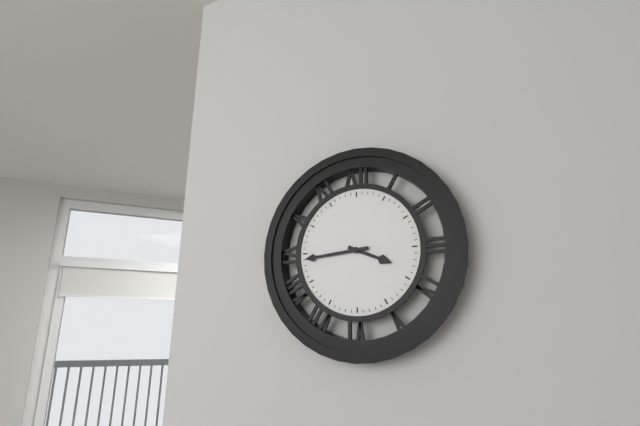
3:44
